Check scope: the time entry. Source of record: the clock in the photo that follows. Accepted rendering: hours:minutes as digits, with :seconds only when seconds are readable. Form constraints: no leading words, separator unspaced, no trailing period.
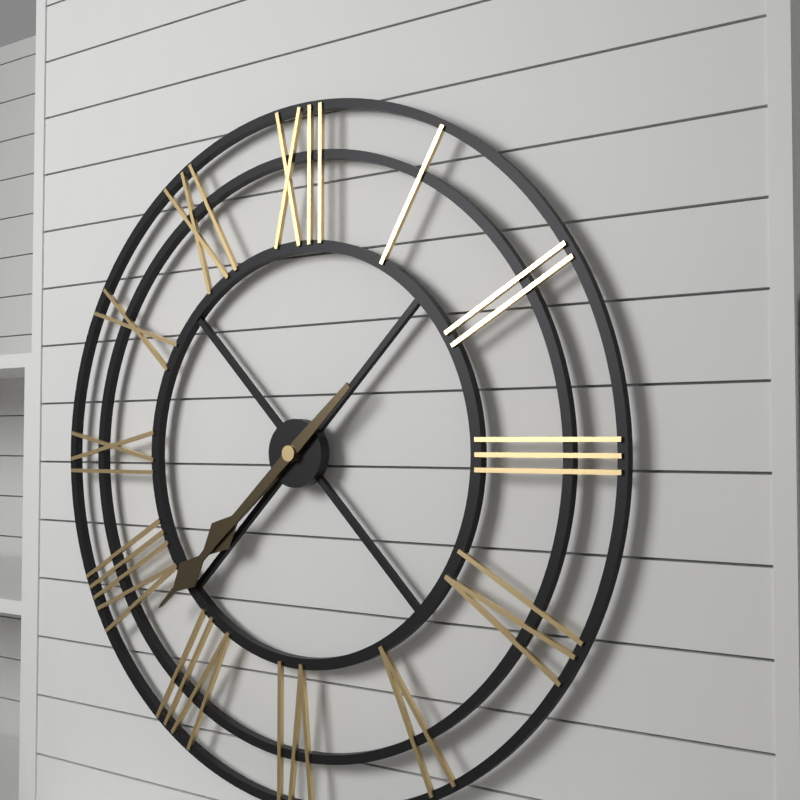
7:38
